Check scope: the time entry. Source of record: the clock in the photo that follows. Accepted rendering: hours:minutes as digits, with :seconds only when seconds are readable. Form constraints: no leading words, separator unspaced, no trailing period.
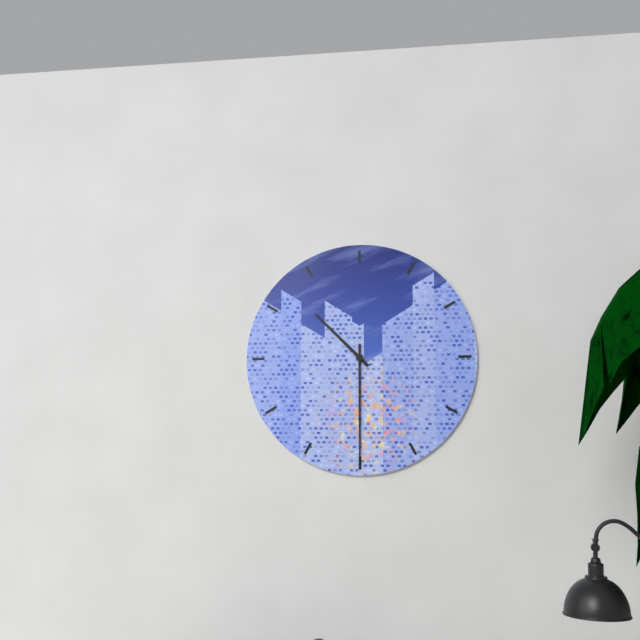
10:30
